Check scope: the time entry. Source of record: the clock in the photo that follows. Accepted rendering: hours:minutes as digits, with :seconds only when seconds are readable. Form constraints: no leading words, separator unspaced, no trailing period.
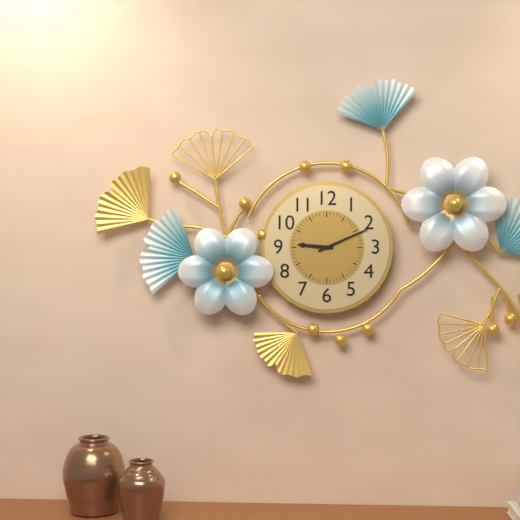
9:11
